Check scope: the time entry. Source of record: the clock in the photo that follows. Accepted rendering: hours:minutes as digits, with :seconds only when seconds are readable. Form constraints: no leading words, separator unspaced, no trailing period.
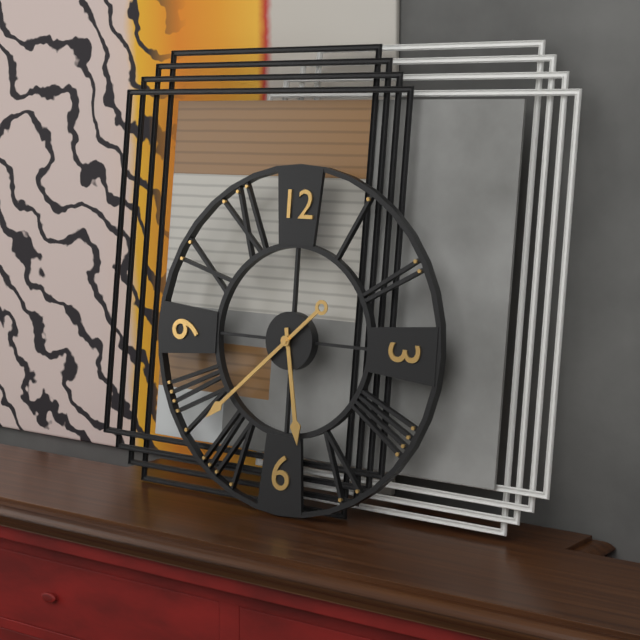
5:38
